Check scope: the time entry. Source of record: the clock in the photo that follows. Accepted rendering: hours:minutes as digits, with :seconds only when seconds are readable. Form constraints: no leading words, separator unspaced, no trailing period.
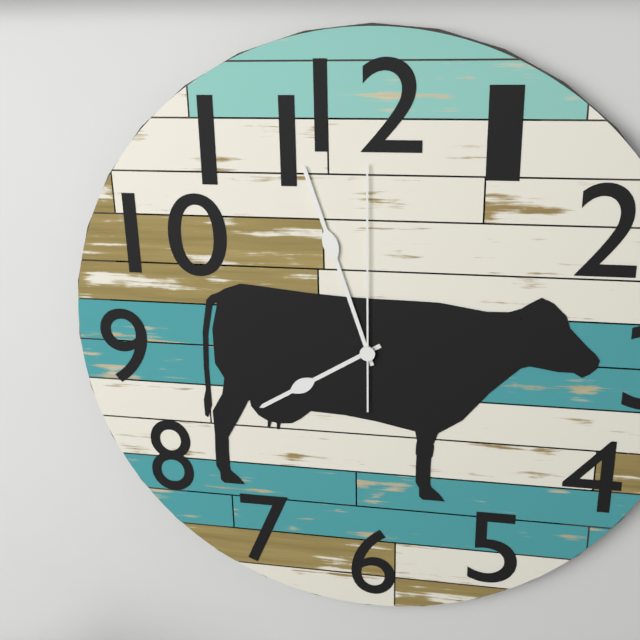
7:57:00
